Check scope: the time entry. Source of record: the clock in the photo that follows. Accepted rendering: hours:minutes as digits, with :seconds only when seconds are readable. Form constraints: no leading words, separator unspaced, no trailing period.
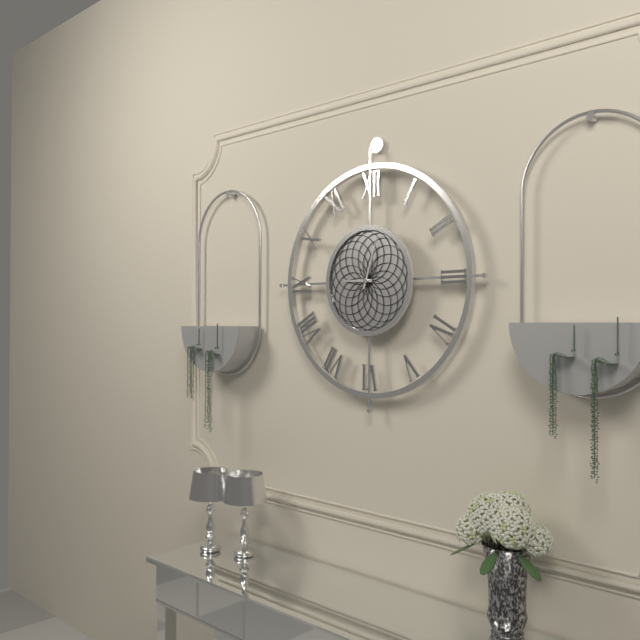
9:03
